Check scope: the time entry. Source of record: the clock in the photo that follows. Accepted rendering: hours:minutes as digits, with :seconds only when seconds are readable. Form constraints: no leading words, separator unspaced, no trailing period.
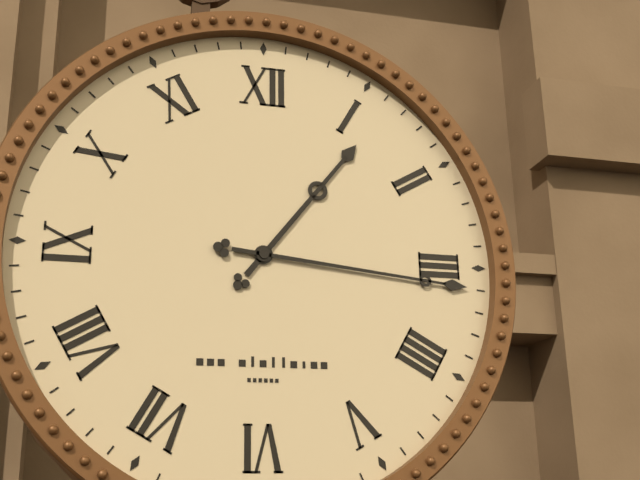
1:16
